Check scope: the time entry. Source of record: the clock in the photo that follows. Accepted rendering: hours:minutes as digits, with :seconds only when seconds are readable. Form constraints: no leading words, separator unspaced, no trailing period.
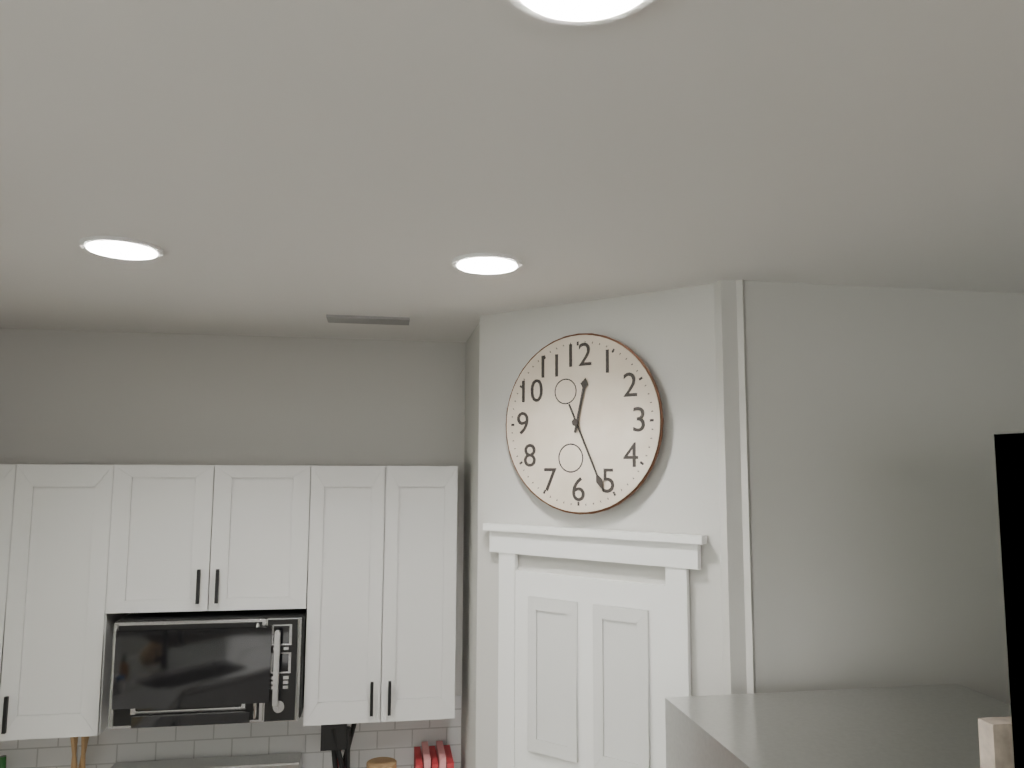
12:26
